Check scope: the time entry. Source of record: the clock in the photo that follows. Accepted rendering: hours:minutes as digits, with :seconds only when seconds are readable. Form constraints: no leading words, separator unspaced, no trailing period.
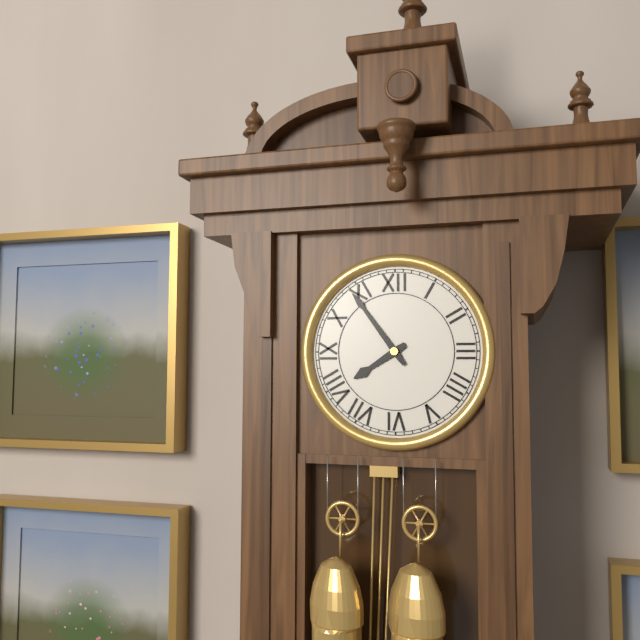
7:54
